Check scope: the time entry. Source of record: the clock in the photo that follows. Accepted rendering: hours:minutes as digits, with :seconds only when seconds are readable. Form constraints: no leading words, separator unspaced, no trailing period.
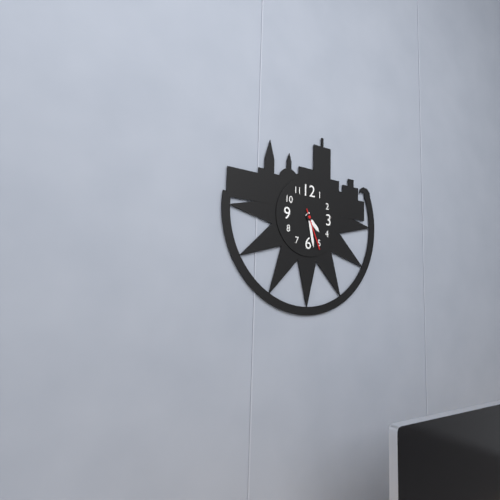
4:28
